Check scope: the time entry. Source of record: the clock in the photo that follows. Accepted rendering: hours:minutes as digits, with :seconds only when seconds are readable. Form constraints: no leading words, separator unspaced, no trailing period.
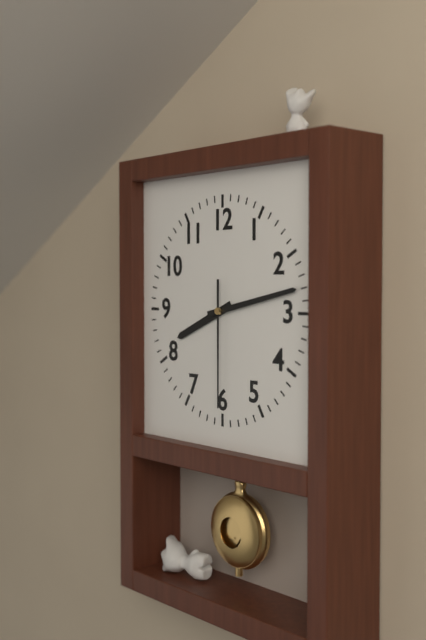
8:13:30
